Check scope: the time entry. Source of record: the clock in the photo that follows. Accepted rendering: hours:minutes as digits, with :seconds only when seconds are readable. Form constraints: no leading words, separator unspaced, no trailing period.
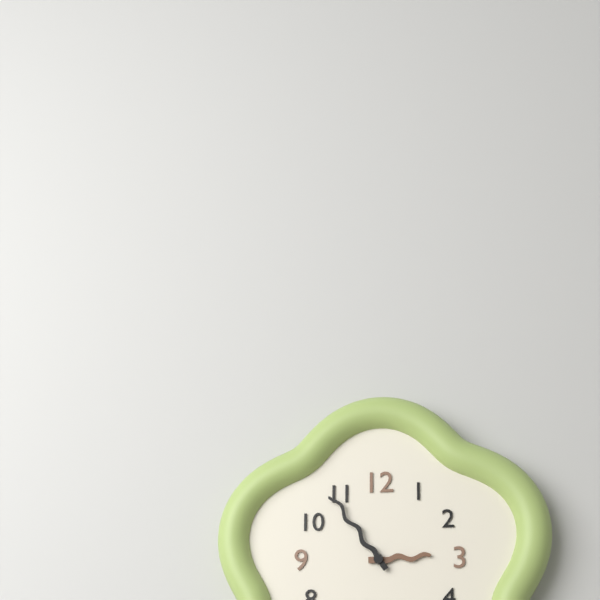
2:54
